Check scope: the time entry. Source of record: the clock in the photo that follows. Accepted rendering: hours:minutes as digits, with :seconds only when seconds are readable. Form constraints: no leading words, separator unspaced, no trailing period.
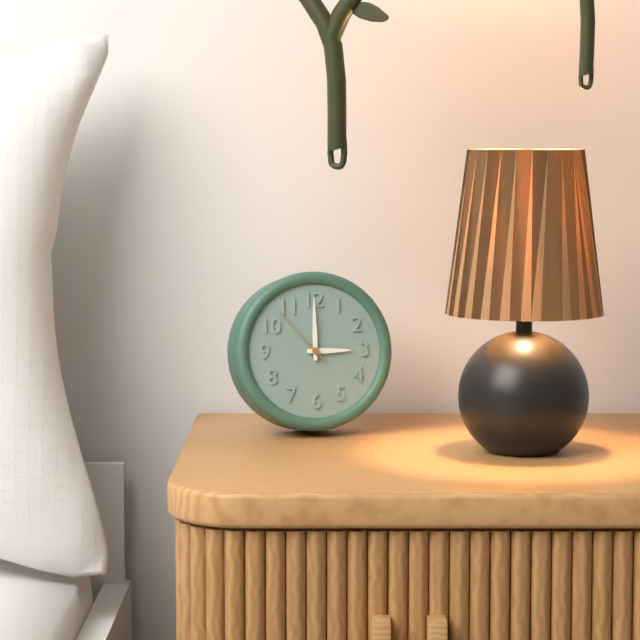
3:00:53
